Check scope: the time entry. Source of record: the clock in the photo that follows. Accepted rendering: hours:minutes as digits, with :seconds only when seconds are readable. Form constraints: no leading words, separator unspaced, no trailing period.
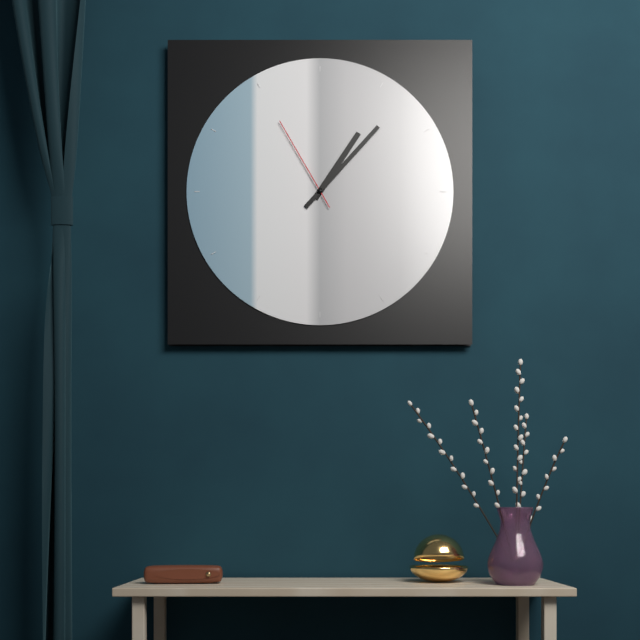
1:07:55
